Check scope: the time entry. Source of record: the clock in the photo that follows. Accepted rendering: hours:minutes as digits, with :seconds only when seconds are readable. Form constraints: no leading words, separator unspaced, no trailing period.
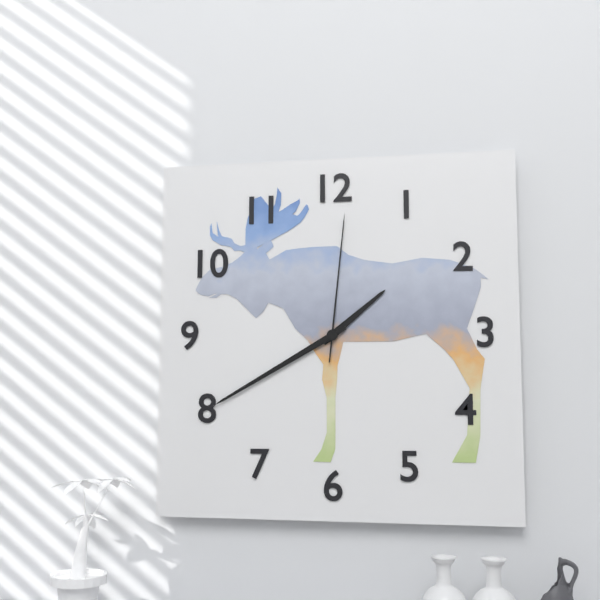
1:40:01
